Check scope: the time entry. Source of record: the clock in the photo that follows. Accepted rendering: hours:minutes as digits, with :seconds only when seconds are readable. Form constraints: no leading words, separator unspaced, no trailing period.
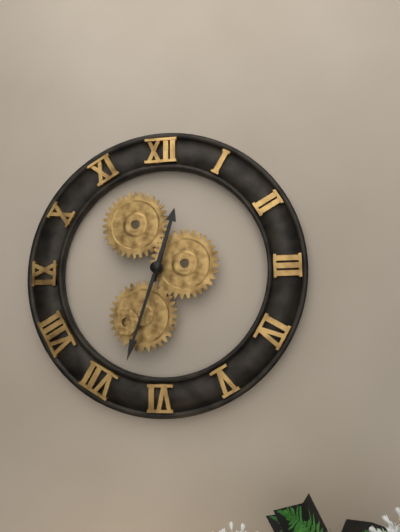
12:33
